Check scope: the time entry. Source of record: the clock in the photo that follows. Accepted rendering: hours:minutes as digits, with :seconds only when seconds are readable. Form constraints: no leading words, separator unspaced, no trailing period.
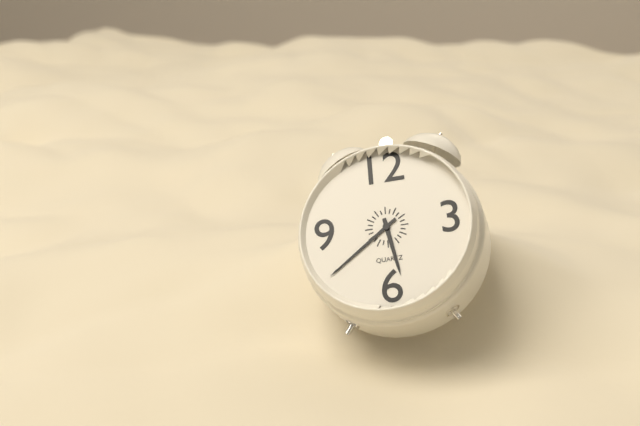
5:39
